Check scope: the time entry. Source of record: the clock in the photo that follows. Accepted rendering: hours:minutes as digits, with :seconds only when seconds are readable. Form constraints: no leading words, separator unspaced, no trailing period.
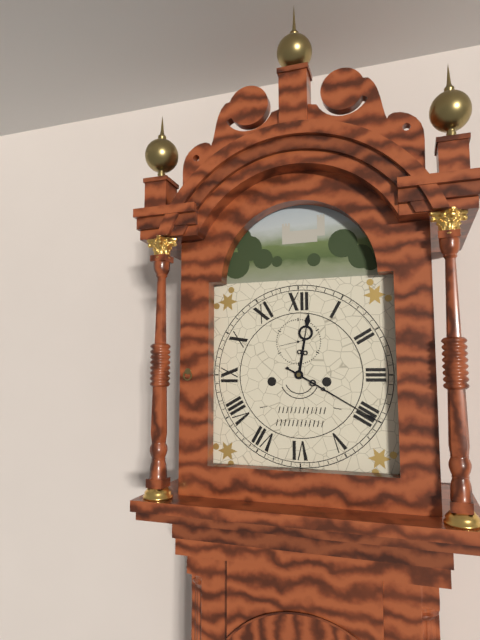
12:20
